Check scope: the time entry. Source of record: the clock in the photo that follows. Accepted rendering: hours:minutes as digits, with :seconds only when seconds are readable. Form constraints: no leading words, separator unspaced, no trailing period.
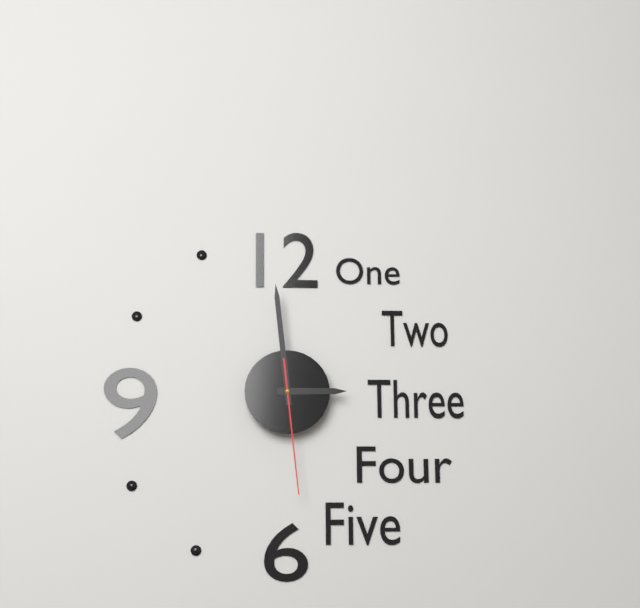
2:59:29
